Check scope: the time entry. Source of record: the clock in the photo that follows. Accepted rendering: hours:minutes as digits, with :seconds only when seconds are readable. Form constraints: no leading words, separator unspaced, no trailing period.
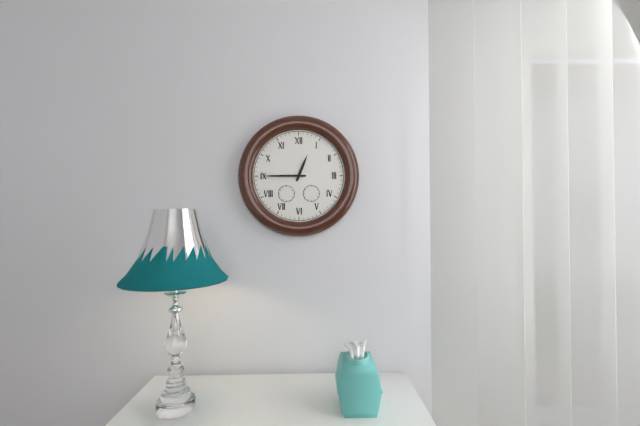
12:45
